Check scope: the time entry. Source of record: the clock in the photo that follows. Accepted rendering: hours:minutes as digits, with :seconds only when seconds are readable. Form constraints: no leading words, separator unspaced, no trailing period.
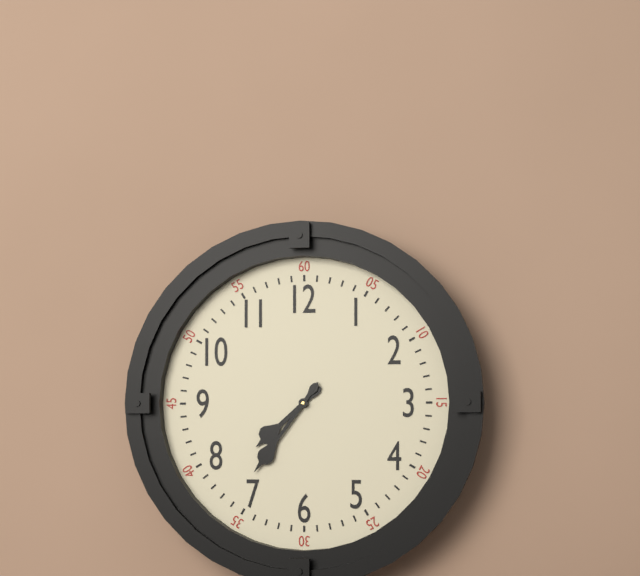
7:36
